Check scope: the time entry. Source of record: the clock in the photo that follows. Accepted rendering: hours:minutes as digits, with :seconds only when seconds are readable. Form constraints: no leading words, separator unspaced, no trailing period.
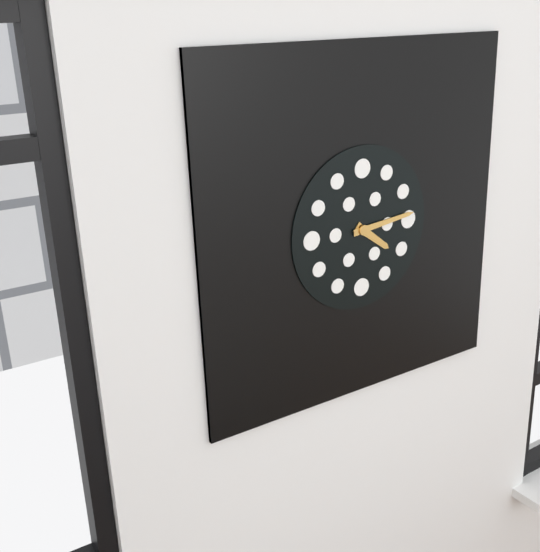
4:14
